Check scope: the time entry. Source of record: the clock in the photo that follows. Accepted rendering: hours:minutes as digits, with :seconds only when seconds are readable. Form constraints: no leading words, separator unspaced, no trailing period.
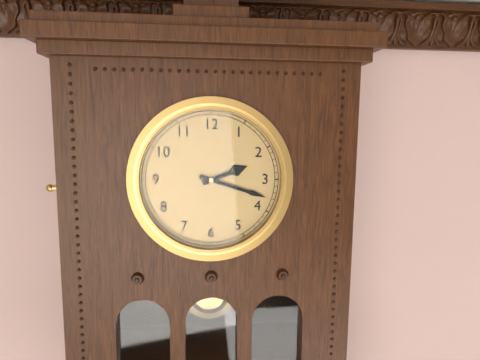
2:18
